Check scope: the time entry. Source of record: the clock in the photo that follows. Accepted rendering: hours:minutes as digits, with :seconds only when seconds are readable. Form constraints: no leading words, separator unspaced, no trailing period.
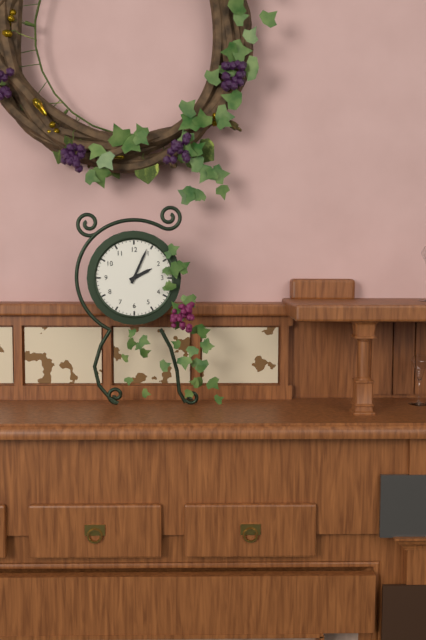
2:04
